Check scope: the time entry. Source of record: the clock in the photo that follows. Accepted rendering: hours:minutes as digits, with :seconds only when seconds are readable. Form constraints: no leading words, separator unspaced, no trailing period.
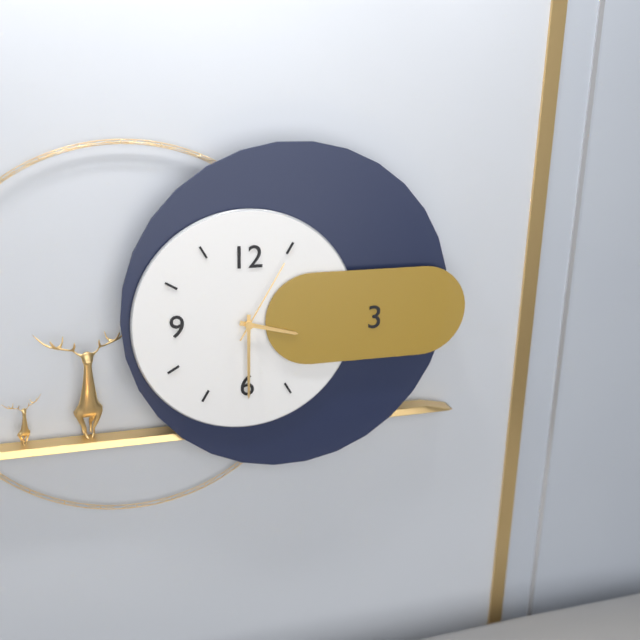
3:30:05
